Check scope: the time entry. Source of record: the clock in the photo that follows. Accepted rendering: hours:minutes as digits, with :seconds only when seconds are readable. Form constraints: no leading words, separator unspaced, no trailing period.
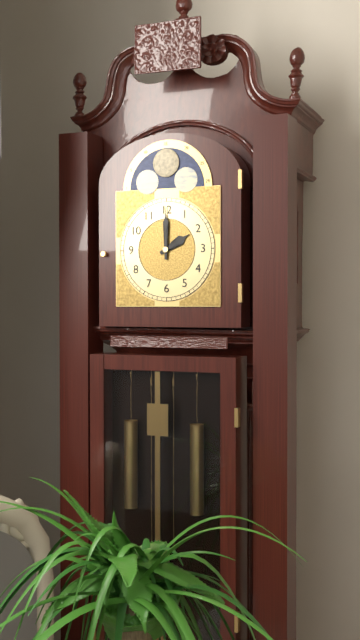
2:00
